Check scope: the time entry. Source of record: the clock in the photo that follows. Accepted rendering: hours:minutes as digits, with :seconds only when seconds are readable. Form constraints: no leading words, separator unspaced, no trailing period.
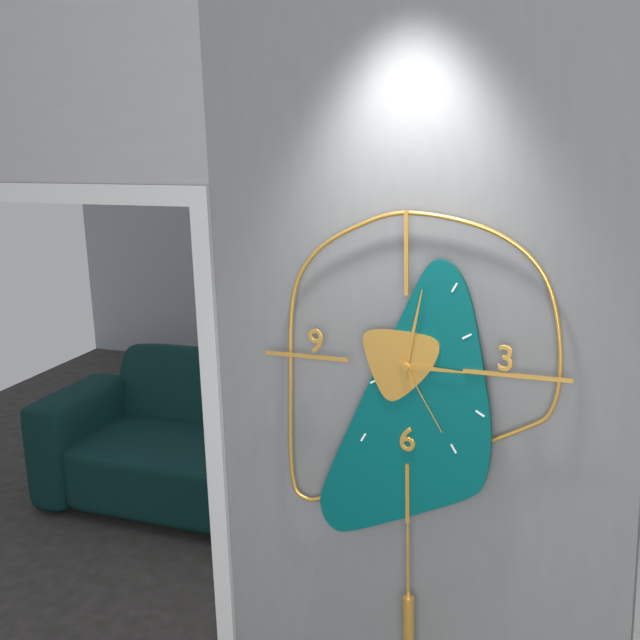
3:02:25
